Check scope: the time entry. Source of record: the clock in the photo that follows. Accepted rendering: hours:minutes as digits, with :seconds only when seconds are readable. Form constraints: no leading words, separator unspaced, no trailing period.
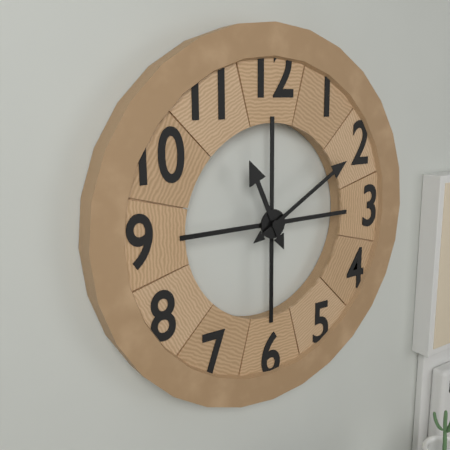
11:10
